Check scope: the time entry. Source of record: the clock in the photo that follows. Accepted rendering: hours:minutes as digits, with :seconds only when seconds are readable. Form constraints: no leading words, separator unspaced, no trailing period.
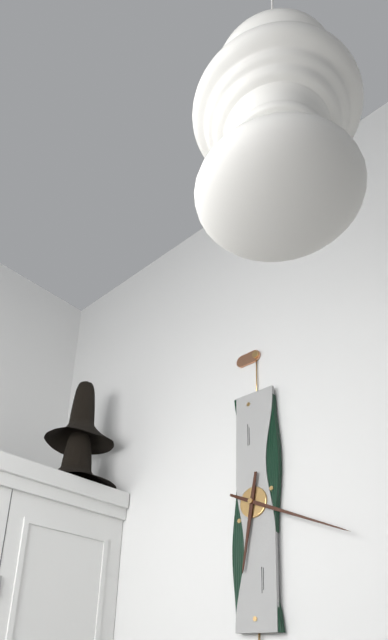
6:19
